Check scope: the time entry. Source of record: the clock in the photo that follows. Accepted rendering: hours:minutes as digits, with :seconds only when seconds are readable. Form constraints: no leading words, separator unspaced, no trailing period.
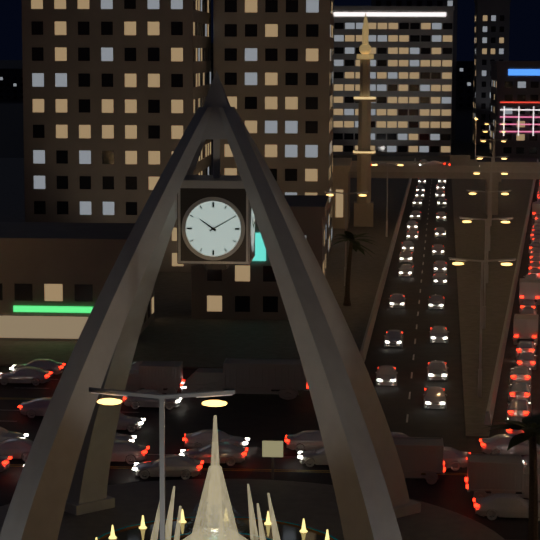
10:10
